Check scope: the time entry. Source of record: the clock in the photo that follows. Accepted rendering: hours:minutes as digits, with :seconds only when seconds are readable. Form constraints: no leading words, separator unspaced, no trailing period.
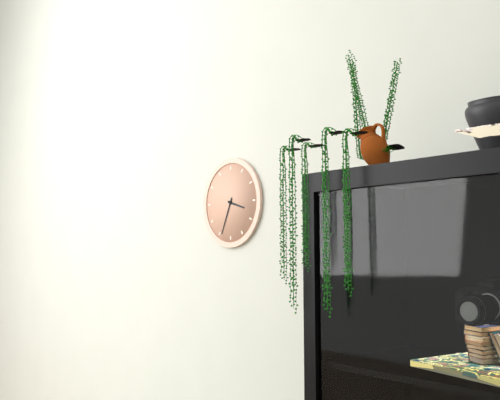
3:34
